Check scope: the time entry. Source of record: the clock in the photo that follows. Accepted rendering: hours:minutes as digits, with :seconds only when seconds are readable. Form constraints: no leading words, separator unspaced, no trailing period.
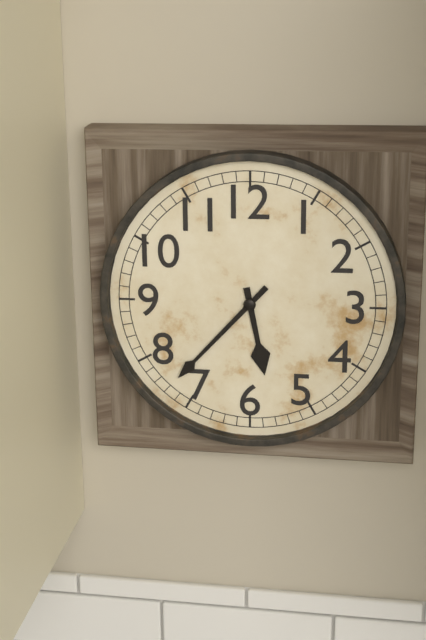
5:37
